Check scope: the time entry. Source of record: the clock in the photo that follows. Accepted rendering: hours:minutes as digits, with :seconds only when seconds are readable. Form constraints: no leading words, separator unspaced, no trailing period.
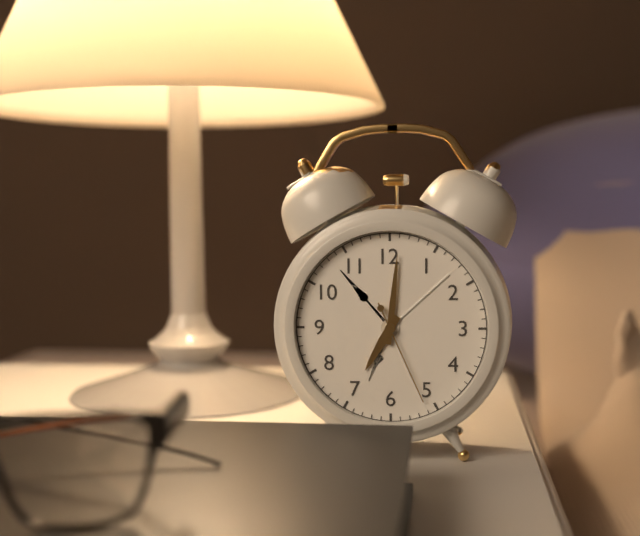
7:01:26
